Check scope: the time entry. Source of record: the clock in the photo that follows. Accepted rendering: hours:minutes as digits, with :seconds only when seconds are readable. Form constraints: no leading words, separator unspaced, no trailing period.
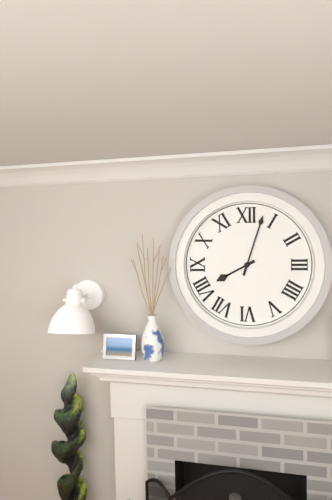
8:03
